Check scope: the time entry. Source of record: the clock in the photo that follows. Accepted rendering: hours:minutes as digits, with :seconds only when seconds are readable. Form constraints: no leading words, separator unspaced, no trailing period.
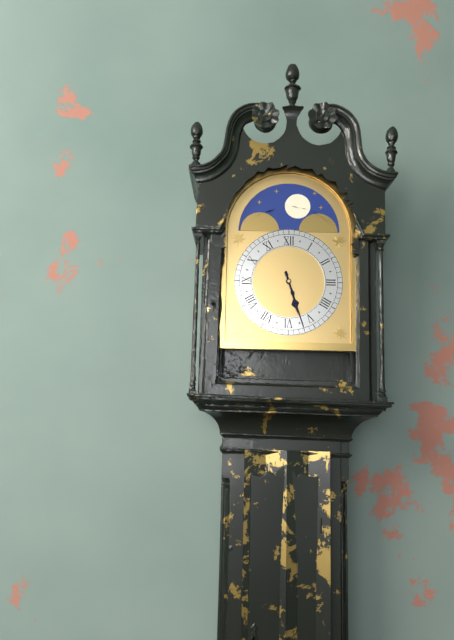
5:27
